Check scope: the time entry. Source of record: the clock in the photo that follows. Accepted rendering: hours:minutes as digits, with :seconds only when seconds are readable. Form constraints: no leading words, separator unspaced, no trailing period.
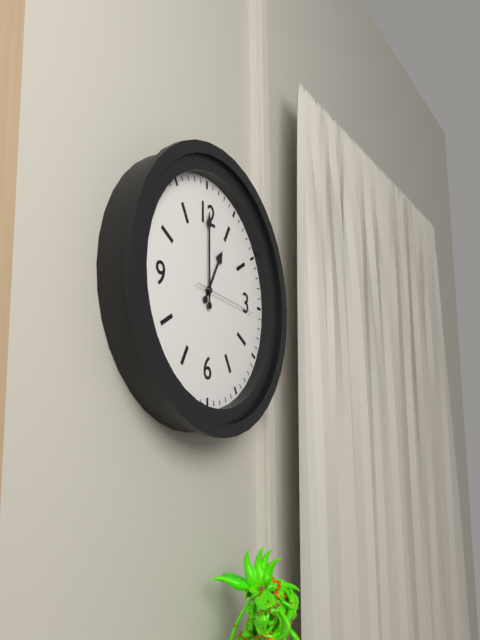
1:00:16
